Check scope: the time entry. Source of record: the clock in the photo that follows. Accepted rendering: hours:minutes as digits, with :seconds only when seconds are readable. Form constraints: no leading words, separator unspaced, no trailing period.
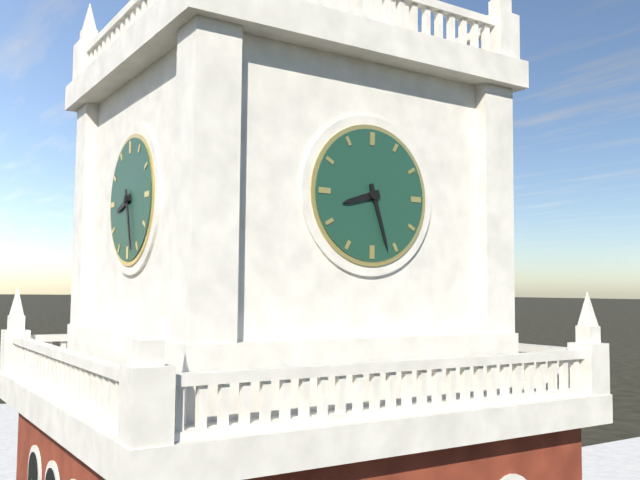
8:27
